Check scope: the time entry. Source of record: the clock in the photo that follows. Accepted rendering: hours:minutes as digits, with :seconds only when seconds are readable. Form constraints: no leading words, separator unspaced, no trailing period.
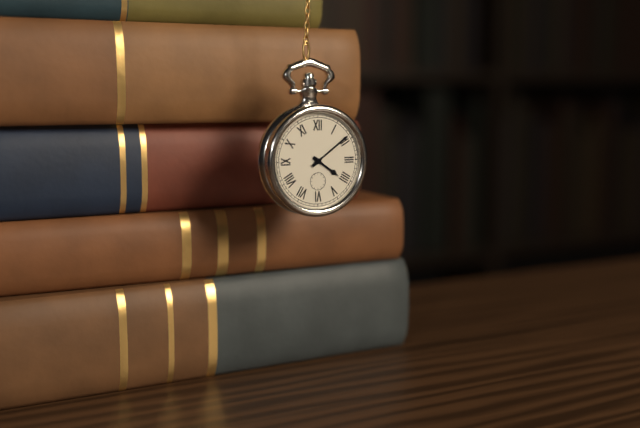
4:09
